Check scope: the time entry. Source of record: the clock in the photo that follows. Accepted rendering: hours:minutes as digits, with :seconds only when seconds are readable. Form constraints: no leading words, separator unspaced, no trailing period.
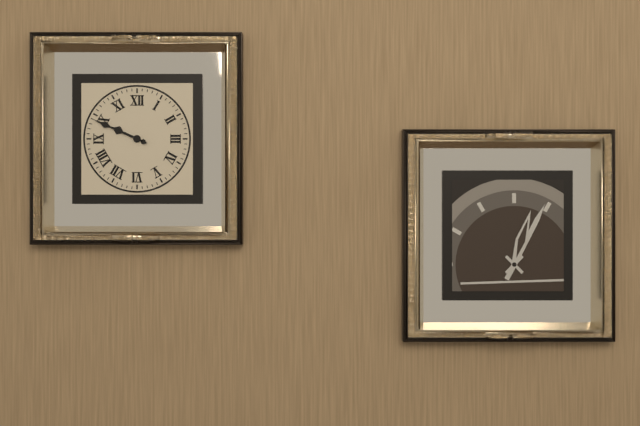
9:49
